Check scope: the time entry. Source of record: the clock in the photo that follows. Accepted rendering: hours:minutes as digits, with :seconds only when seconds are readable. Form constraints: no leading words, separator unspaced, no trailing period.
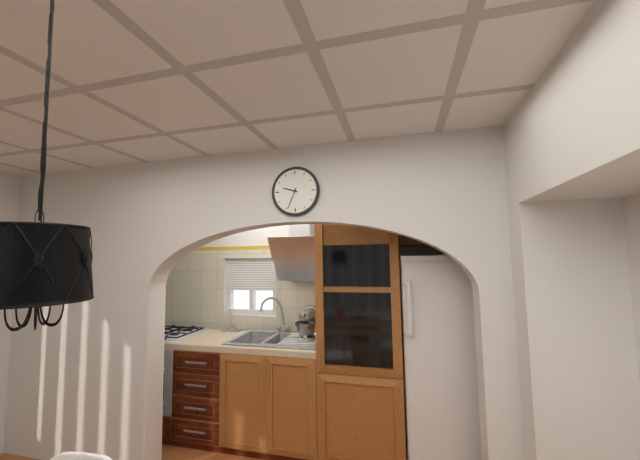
9:34
